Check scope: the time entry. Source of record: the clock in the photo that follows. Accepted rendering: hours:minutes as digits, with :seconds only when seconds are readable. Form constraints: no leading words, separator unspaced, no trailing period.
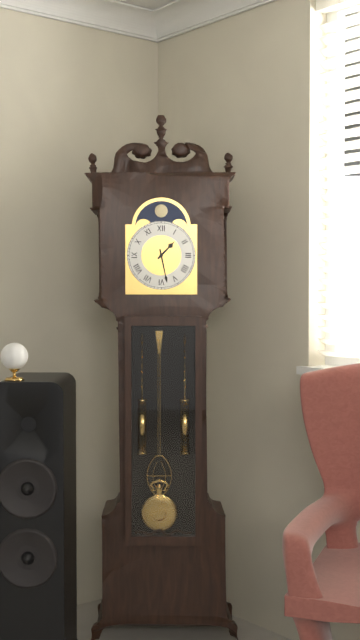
1:28
